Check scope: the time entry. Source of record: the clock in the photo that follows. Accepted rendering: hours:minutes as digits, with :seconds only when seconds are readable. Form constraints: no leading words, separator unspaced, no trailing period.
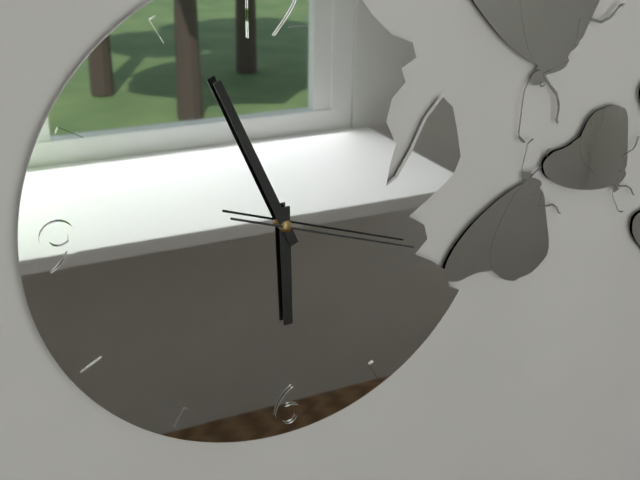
5:56:18
